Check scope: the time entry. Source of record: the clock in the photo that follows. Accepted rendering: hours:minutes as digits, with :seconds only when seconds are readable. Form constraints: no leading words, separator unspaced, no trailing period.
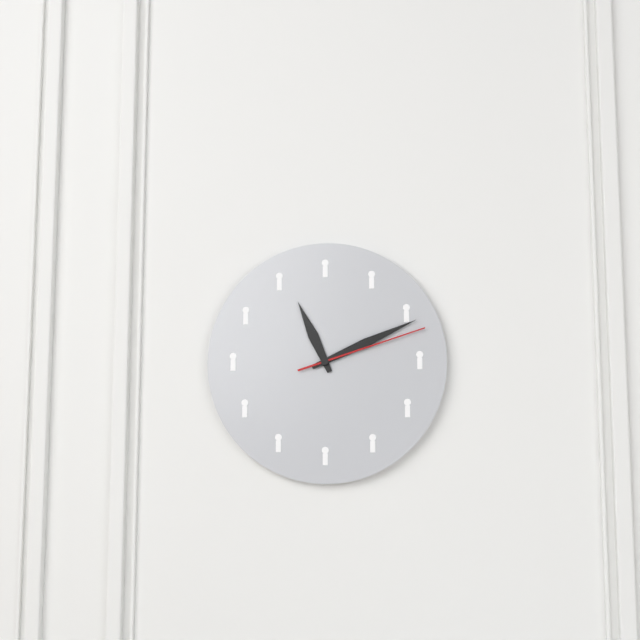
11:11:12
